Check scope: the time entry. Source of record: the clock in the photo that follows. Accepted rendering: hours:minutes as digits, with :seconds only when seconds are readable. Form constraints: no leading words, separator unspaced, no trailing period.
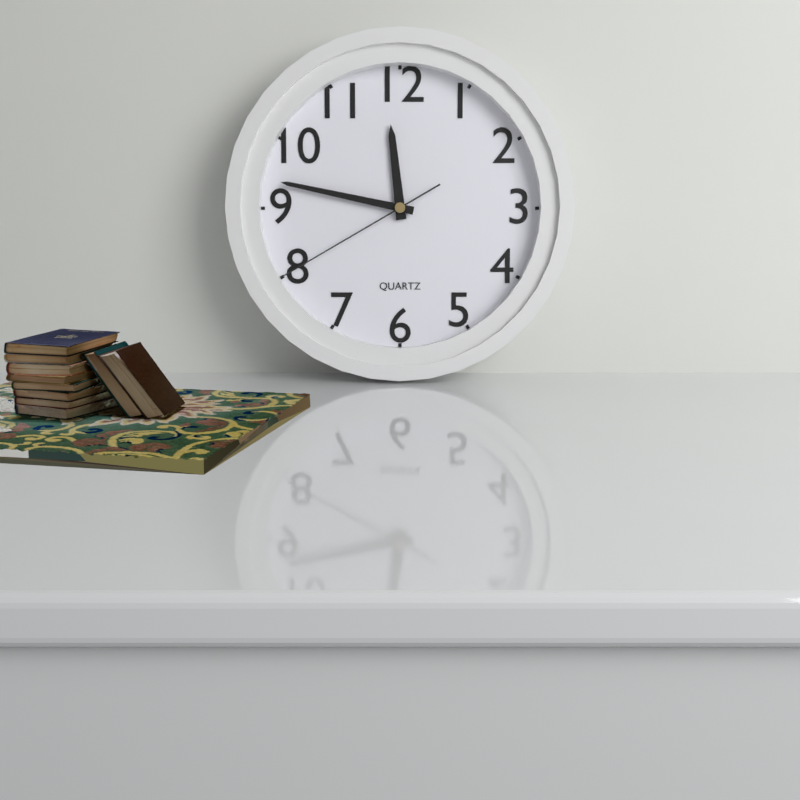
11:47:40
